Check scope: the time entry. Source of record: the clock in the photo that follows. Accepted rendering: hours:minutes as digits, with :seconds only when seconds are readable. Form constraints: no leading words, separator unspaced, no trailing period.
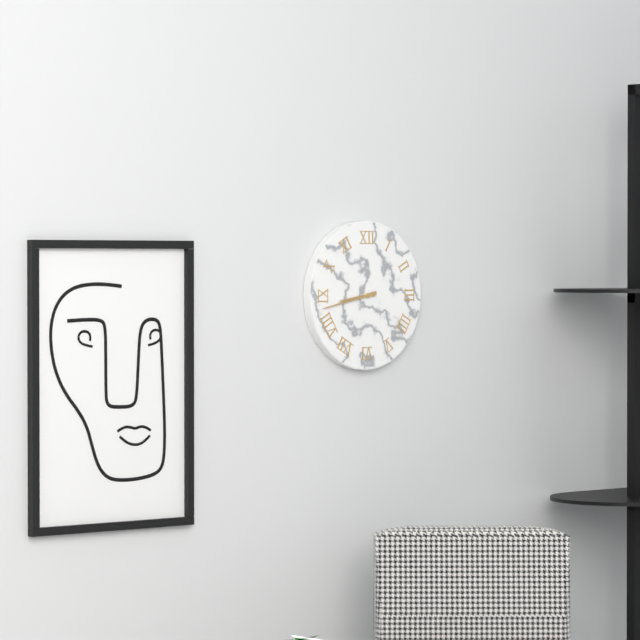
8:43
